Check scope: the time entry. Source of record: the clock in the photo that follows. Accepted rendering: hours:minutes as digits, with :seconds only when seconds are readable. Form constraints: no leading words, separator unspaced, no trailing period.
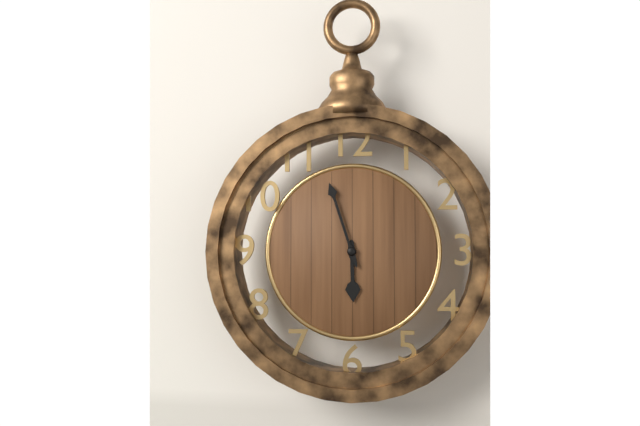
5:57
